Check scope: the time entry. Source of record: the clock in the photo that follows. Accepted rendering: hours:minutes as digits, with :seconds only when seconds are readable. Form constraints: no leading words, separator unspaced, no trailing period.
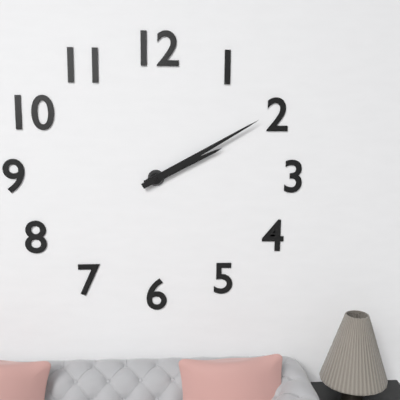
2:10
